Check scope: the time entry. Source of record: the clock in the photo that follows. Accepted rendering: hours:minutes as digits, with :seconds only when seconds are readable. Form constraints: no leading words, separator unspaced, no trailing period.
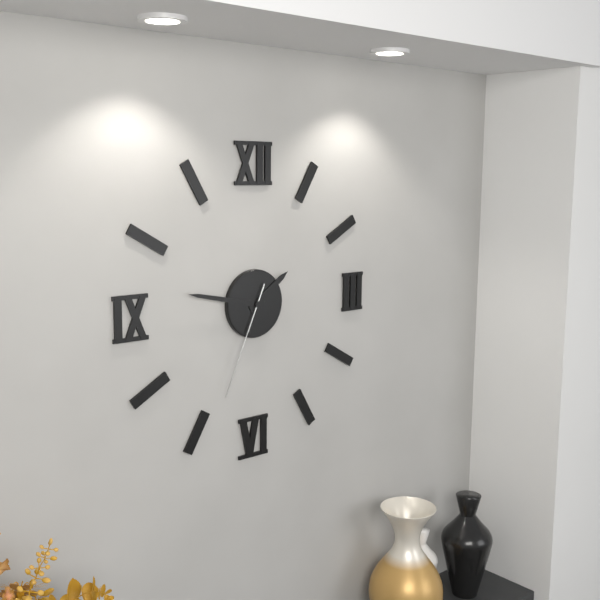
1:47:34
